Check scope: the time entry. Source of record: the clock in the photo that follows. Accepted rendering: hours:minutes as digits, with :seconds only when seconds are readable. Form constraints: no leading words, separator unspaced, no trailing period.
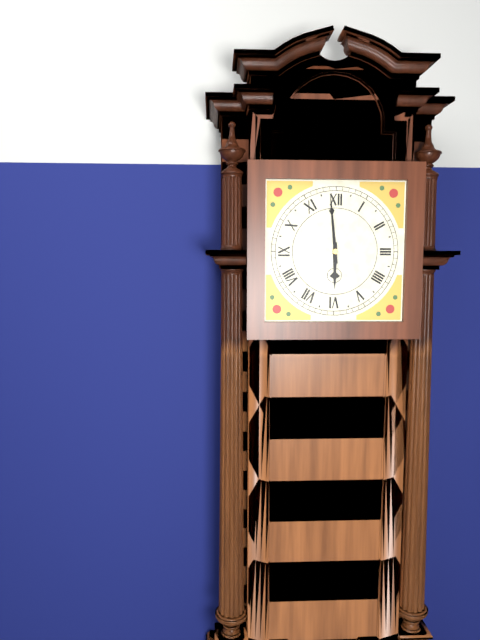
5:59
